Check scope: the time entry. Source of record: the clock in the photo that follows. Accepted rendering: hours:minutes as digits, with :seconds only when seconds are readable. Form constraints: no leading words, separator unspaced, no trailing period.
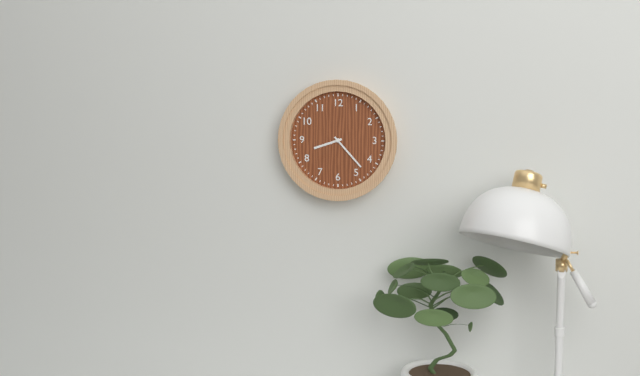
8:23
